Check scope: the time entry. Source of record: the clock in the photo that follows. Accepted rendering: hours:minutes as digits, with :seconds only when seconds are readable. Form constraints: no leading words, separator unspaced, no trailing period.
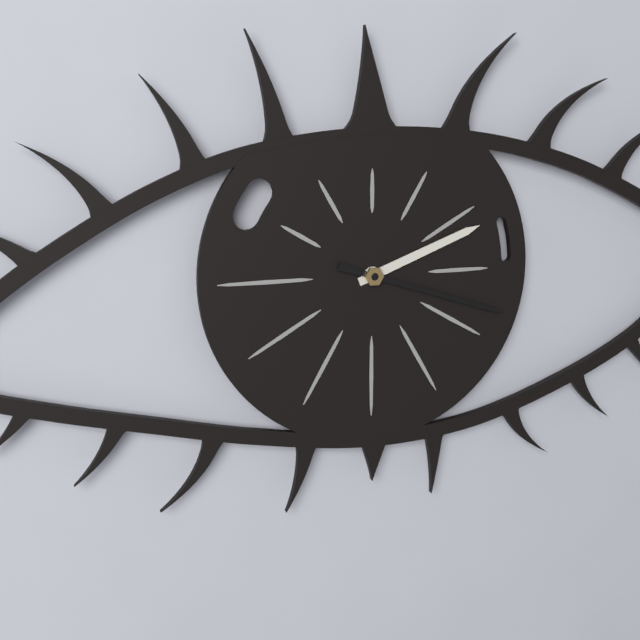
2:18
